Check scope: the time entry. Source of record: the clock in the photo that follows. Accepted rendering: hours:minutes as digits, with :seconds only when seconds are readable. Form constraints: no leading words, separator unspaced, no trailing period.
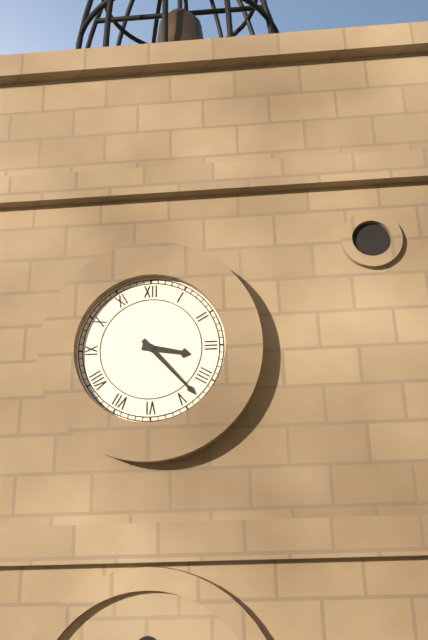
3:23
